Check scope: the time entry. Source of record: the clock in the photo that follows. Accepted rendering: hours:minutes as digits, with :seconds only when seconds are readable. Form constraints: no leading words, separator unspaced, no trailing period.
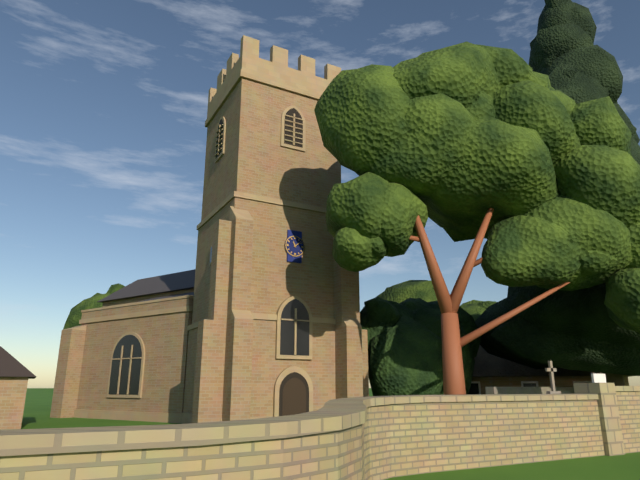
11:08
